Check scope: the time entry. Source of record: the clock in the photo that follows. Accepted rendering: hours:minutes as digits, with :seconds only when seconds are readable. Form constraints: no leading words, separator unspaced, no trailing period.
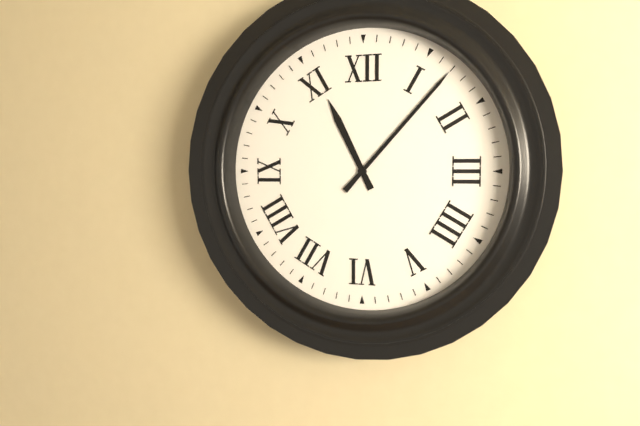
11:07
